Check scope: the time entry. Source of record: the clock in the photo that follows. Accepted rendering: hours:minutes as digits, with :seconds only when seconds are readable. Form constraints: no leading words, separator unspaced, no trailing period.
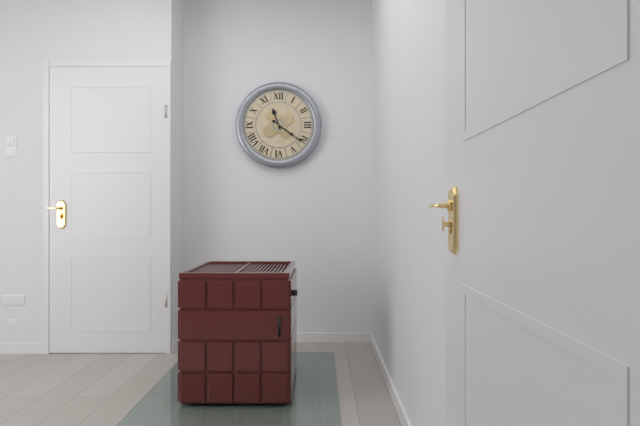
11:21
